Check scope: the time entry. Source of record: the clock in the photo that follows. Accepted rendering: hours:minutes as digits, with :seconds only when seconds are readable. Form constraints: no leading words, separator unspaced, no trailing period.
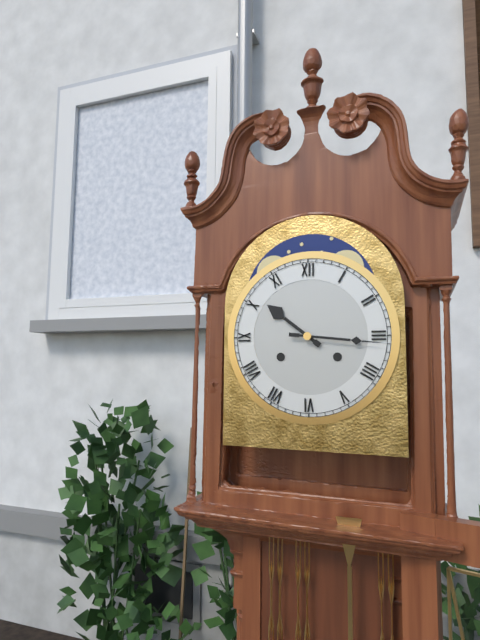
10:16
